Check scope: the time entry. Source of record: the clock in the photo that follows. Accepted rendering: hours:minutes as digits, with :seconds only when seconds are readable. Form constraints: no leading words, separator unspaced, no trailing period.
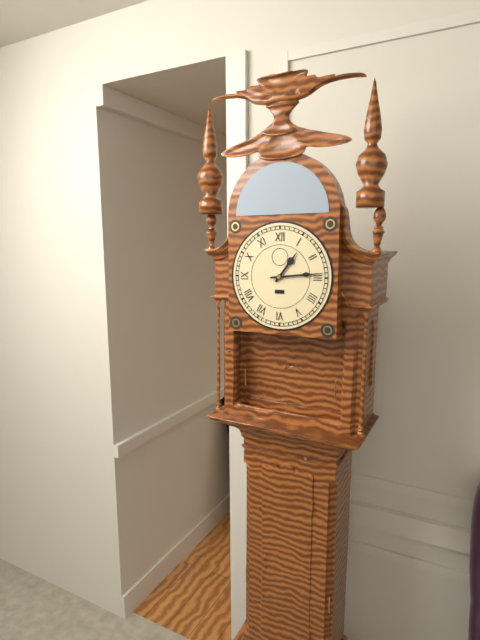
1:14
